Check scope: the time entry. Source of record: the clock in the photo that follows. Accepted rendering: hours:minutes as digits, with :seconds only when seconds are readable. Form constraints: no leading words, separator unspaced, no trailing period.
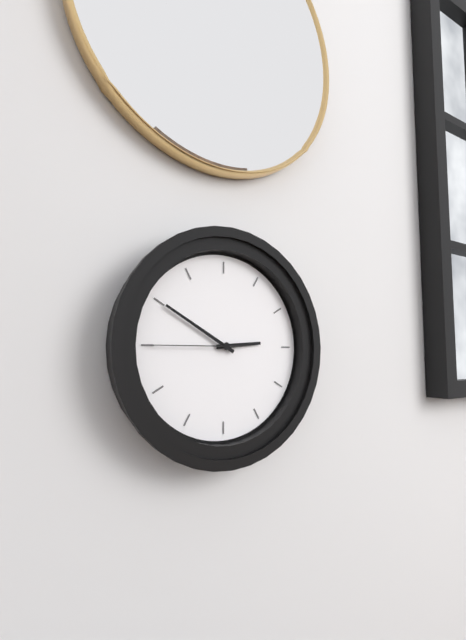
2:50:45
